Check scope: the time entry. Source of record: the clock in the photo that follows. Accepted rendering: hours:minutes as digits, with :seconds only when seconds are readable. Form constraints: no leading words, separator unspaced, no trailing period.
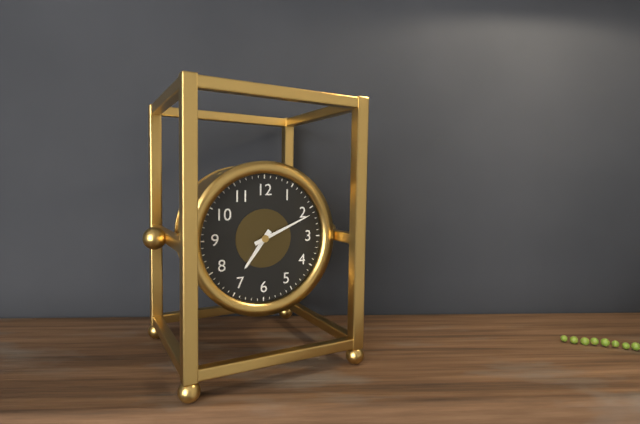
7:11
